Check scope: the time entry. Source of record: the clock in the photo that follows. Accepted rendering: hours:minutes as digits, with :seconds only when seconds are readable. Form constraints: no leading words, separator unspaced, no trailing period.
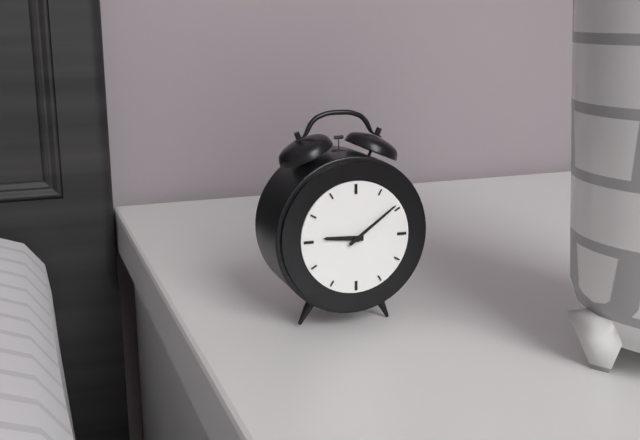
9:09
